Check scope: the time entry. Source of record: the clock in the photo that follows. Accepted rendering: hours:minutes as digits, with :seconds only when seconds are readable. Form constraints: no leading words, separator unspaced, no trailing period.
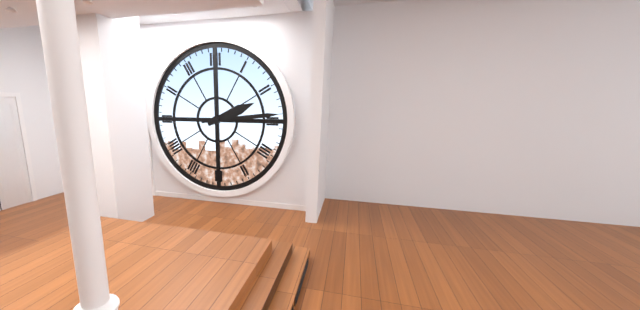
2:14
